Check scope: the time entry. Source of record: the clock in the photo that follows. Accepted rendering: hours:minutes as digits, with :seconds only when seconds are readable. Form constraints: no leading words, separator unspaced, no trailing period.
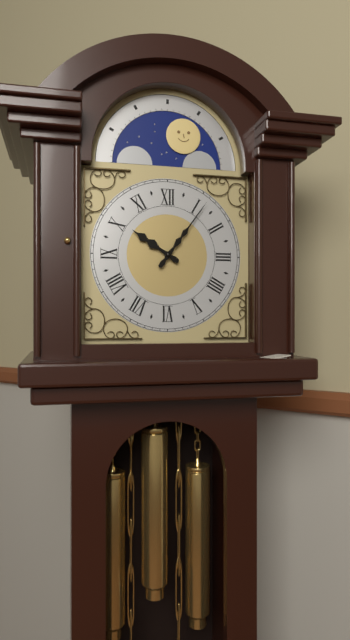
10:06
